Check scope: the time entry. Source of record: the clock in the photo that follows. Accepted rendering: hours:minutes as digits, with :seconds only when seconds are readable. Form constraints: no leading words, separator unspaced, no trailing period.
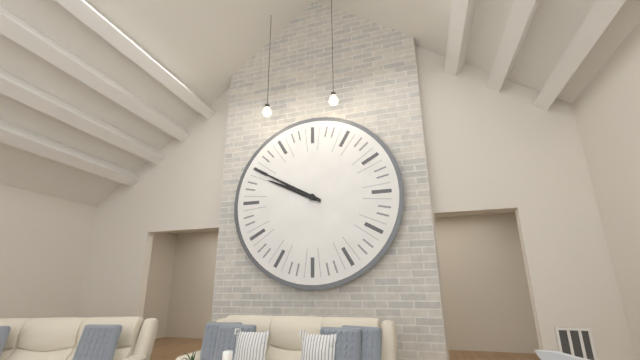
9:50
